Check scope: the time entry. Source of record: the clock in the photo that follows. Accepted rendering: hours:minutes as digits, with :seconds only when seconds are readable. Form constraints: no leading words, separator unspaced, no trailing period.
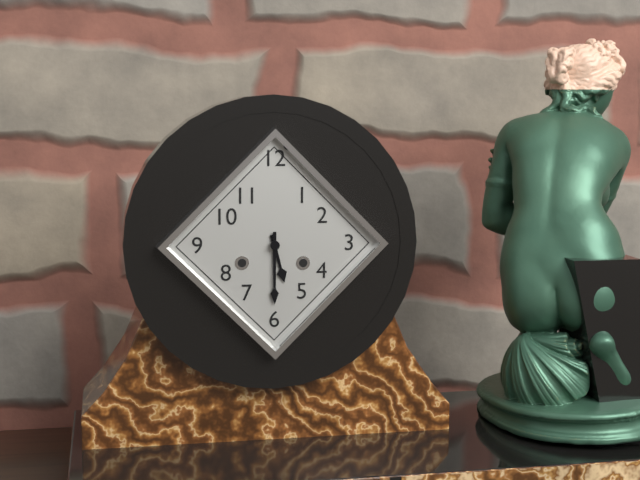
5:30
